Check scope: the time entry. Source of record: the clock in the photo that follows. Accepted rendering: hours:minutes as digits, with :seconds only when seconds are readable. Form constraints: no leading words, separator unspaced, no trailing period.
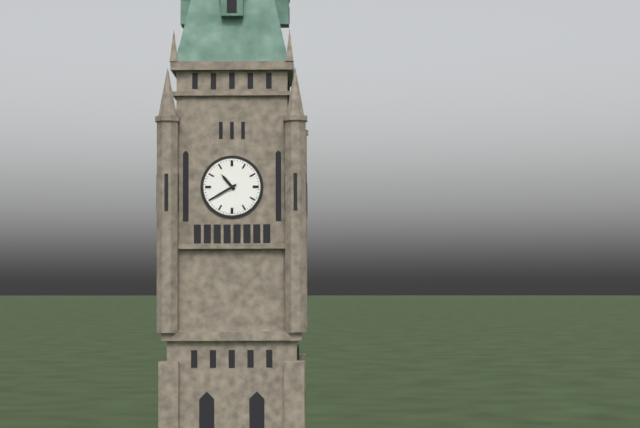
10:40
